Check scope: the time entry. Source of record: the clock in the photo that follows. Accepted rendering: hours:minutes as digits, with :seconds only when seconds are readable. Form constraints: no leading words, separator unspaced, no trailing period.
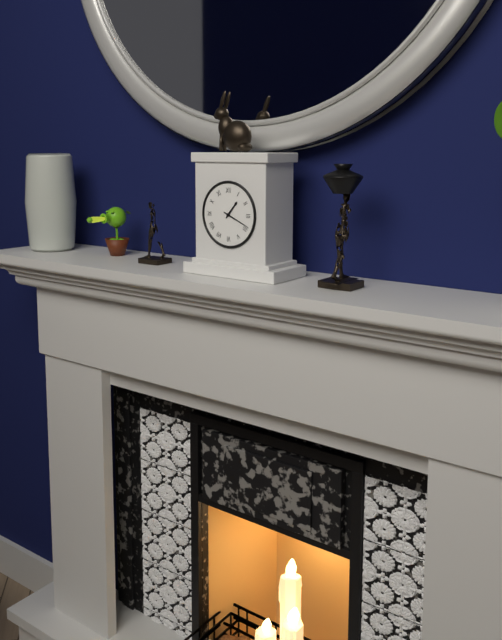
1:19
